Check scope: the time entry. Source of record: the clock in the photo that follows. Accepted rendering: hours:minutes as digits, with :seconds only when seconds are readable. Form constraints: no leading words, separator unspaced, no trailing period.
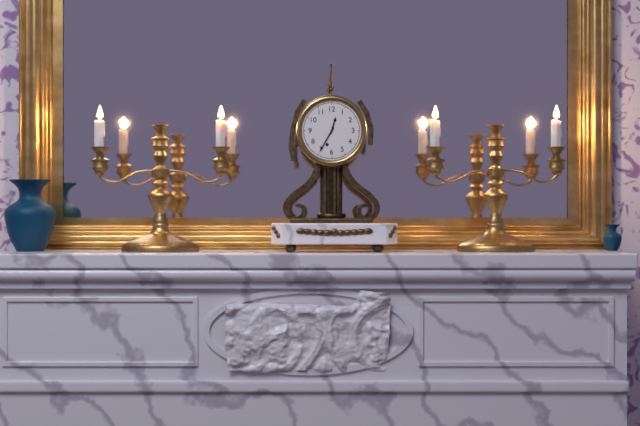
12:35
